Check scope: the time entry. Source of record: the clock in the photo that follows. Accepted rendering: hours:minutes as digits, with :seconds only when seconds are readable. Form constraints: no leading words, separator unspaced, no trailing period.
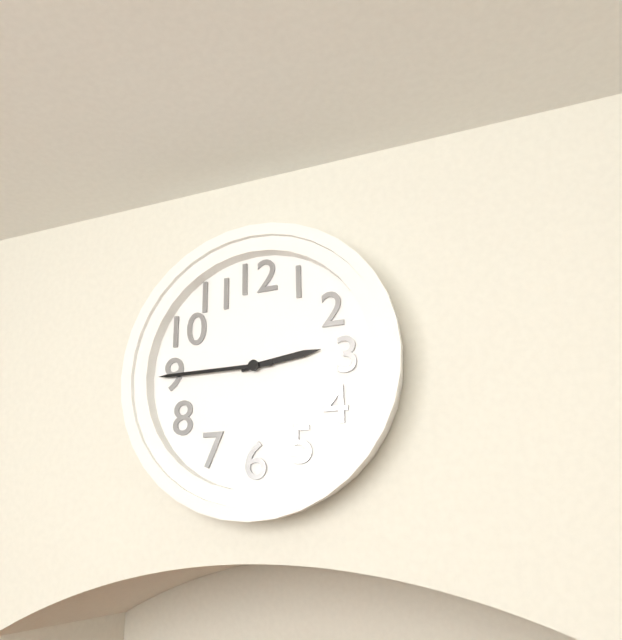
2:45
